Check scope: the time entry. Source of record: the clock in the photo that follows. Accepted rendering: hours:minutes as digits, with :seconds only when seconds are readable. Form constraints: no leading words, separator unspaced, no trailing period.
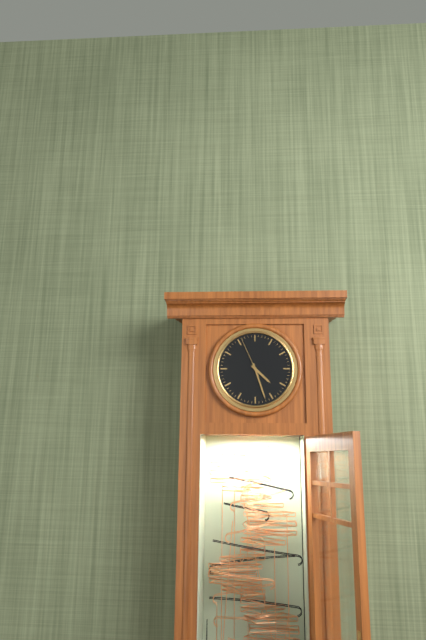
4:27
